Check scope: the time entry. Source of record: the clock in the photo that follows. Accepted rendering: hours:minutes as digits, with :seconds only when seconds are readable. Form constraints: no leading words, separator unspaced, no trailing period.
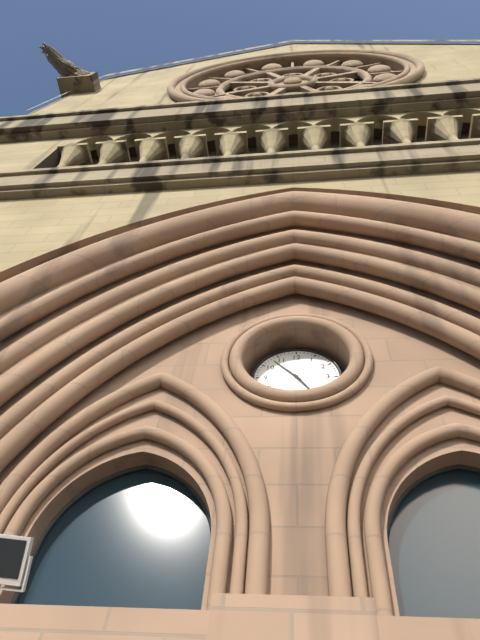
4:53
